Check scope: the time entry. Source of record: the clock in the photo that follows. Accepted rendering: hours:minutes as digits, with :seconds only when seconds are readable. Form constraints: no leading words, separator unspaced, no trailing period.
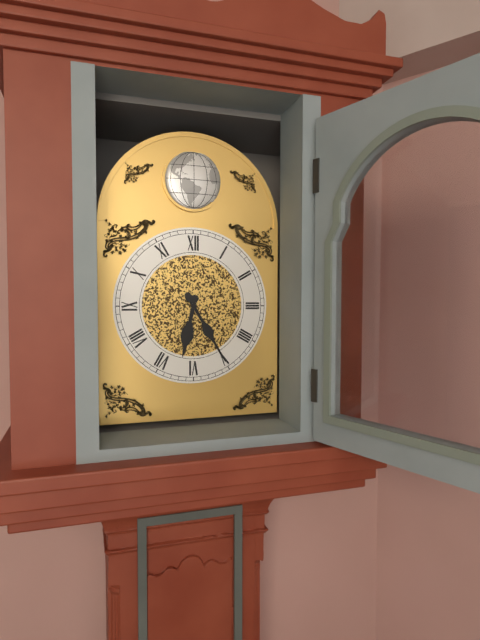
6:25
